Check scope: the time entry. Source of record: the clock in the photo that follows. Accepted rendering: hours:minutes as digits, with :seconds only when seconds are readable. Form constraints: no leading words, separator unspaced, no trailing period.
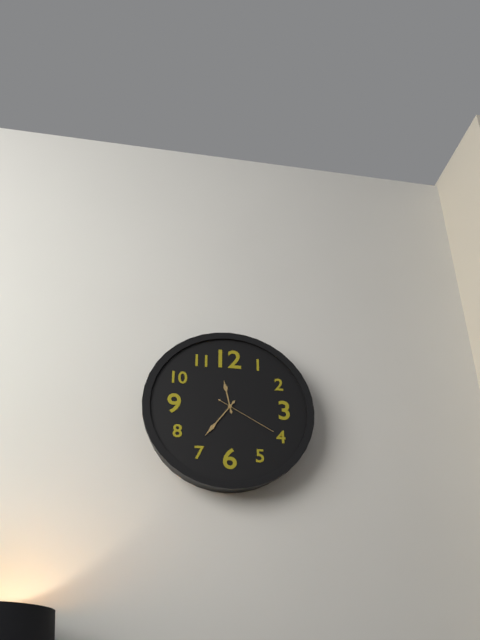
11:36:20
